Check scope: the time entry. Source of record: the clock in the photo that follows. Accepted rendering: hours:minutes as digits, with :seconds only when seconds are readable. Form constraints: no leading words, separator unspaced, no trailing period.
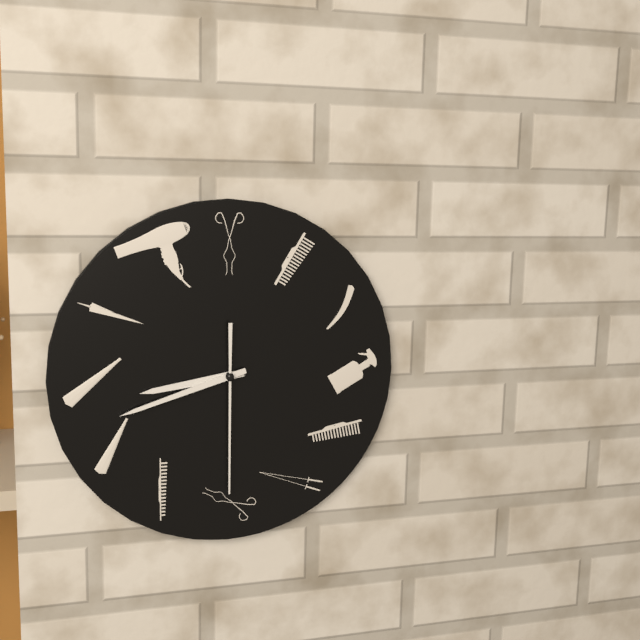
8:42:30
